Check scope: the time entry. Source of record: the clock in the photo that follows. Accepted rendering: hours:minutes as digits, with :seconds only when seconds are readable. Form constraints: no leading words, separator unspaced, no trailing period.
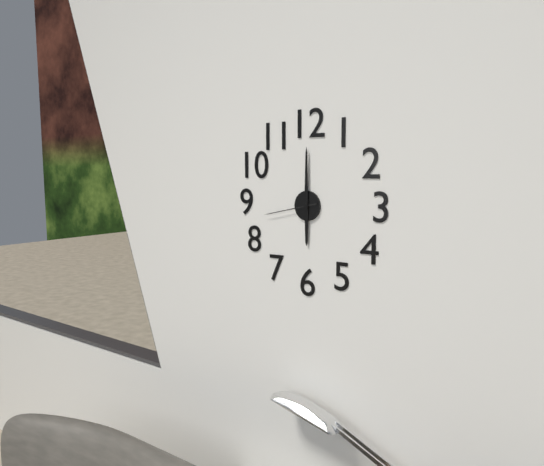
6:00:43
